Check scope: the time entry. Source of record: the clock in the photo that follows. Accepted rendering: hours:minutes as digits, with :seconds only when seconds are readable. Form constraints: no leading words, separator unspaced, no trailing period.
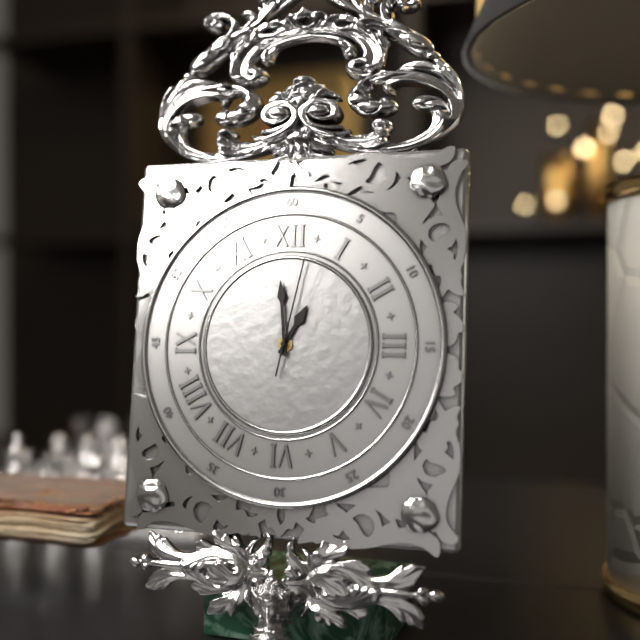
12:59:02
